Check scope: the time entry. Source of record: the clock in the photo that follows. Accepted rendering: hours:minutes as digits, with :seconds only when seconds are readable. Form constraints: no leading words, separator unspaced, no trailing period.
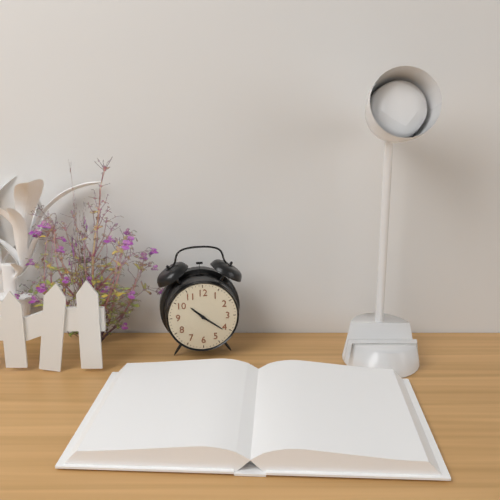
10:21
